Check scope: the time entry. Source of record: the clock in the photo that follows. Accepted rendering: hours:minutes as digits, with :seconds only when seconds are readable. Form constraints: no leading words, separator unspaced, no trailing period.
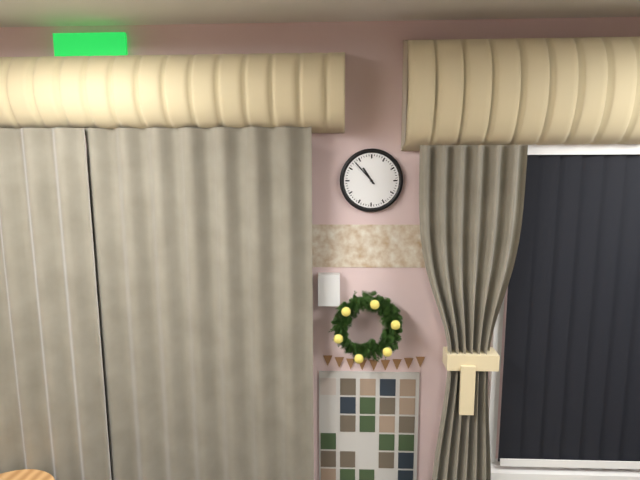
10:53
